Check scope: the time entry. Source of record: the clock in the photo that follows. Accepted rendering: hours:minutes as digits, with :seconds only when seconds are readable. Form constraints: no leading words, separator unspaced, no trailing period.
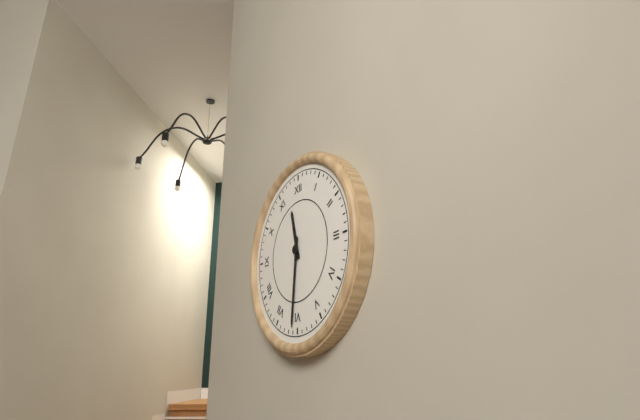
11:31
